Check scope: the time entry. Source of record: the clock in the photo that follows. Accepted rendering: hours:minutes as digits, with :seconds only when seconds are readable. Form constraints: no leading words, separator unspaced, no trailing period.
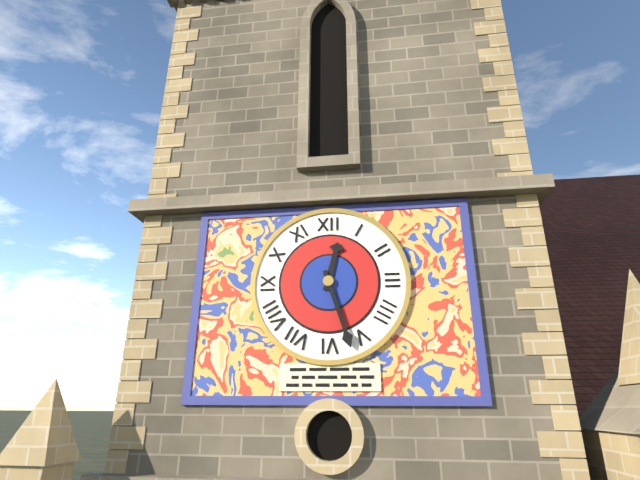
12:27
